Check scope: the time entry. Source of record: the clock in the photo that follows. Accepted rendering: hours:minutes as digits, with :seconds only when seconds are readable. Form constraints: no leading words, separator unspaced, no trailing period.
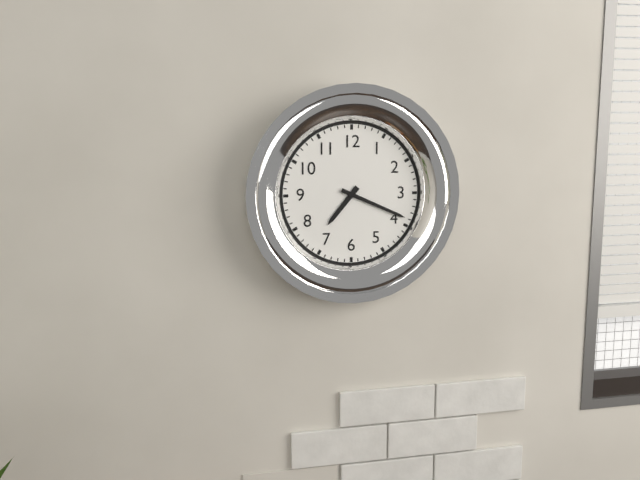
7:19
